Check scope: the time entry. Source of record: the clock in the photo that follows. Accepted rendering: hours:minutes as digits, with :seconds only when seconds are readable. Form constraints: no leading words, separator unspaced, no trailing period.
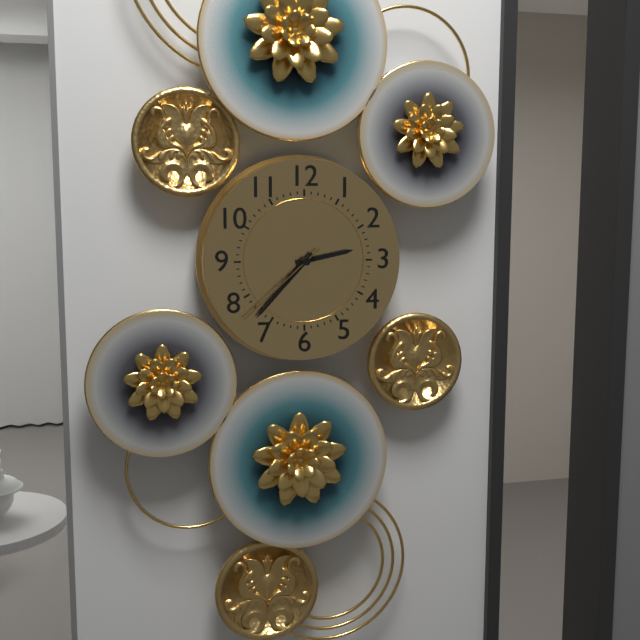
2:37:38
